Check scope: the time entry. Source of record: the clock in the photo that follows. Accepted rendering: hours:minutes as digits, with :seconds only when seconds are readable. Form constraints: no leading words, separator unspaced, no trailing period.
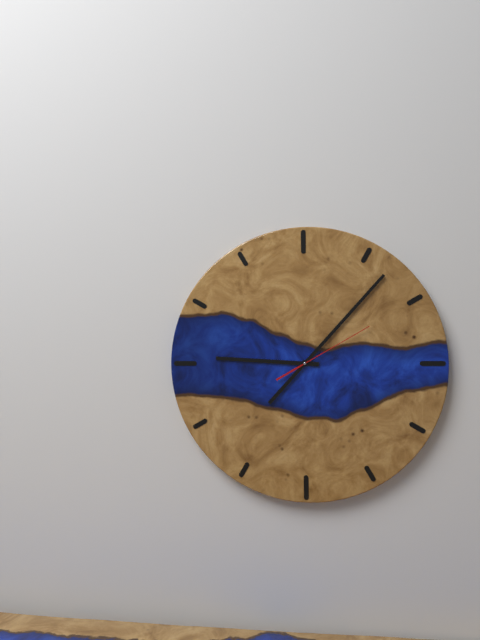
9:07:10
